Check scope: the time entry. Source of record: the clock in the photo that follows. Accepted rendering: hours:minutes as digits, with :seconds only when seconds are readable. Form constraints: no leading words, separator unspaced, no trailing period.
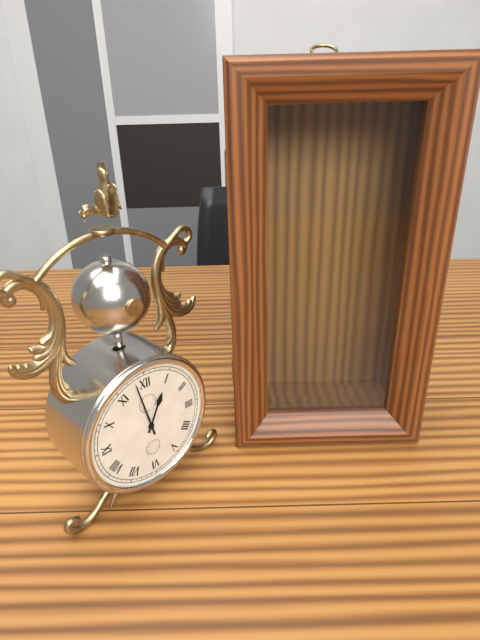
12:58
